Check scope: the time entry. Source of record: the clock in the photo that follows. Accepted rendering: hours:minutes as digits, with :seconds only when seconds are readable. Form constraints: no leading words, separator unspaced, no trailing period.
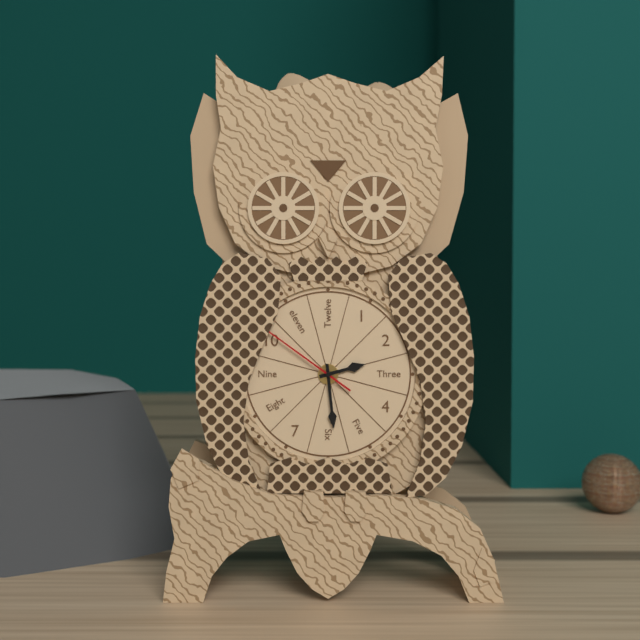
2:29:51
